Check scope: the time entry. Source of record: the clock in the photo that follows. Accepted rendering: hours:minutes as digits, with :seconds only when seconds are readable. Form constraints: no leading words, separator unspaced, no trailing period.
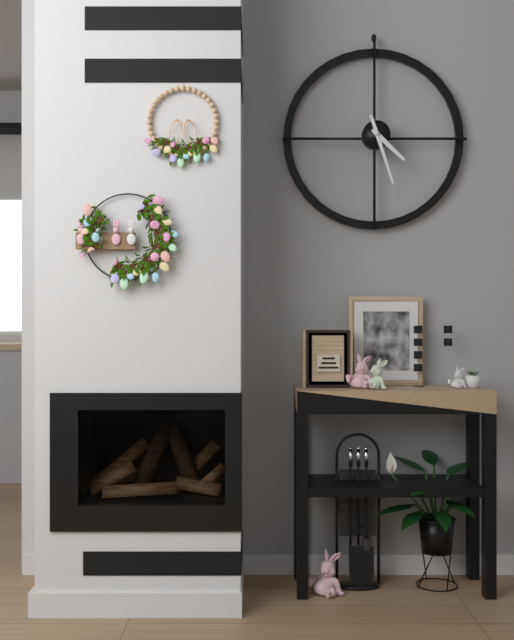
4:27
